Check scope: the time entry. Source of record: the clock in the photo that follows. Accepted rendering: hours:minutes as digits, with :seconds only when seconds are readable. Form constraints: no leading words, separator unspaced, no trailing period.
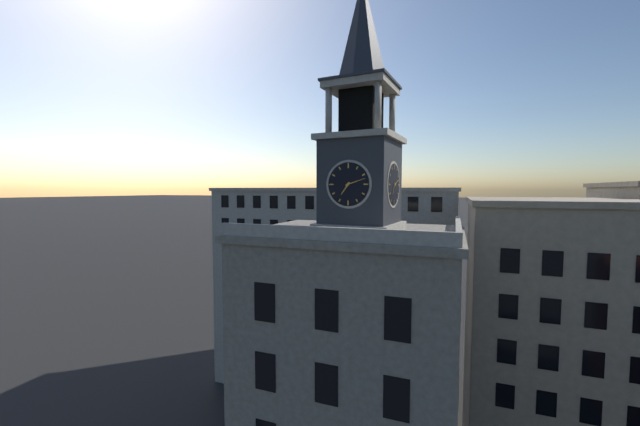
7:12
